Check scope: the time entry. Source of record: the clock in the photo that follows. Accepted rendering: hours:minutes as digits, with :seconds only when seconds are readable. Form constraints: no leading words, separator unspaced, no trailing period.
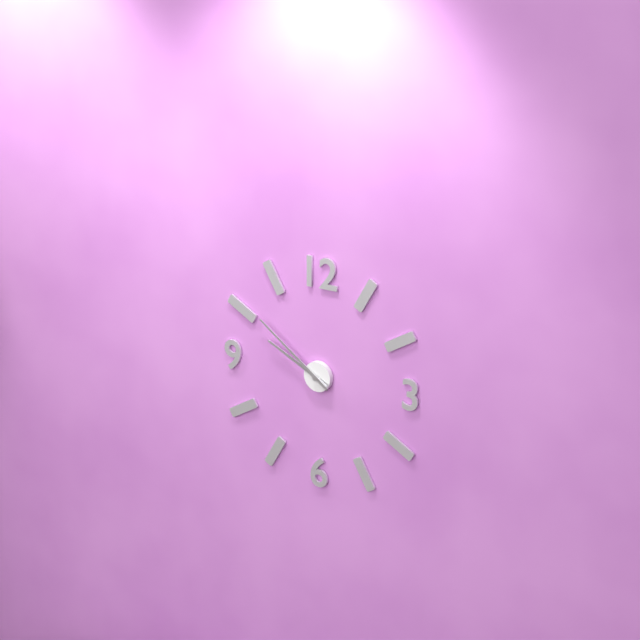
9:51
